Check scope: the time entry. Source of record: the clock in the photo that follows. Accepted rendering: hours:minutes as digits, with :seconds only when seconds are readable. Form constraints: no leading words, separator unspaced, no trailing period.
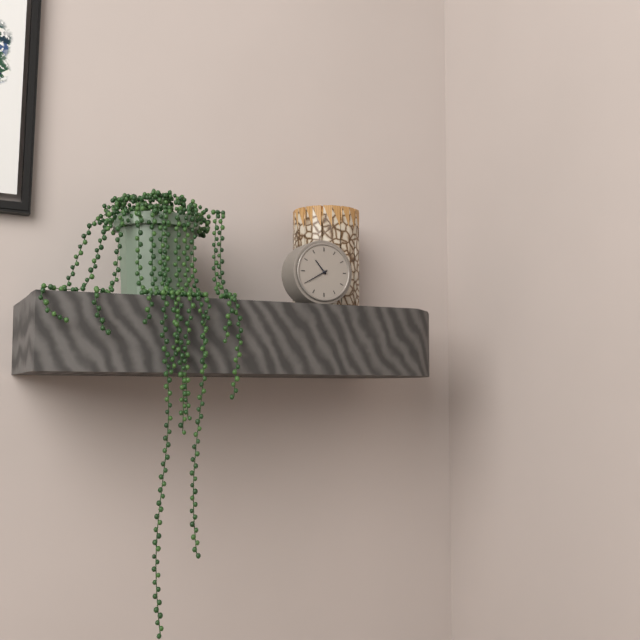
10:40
